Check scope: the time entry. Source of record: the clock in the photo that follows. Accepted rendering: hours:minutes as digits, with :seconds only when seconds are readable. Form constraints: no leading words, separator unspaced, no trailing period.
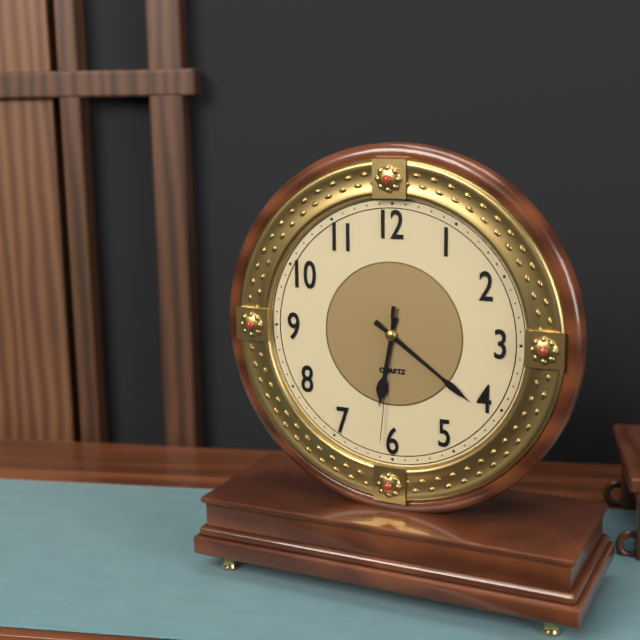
6:21:31
